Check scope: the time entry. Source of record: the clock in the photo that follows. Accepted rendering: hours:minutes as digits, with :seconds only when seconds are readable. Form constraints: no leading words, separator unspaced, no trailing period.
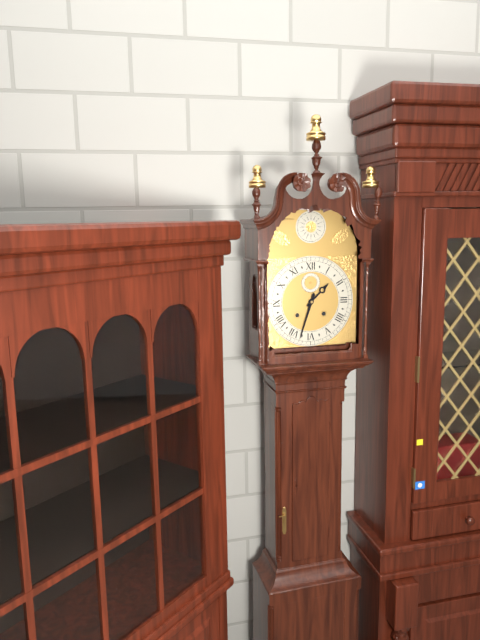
1:33
